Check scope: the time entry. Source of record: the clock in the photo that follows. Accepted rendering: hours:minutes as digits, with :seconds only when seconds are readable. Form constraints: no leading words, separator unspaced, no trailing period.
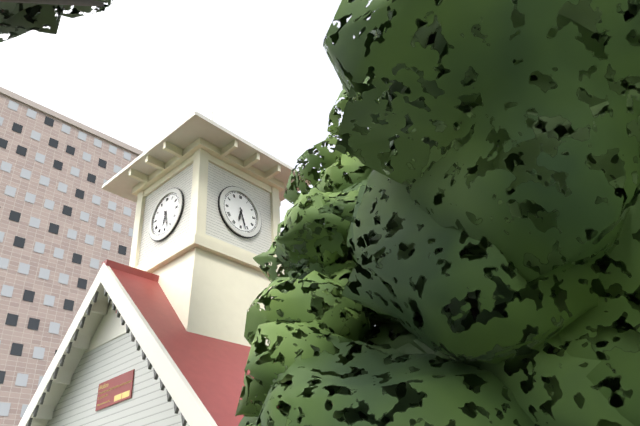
6:27
